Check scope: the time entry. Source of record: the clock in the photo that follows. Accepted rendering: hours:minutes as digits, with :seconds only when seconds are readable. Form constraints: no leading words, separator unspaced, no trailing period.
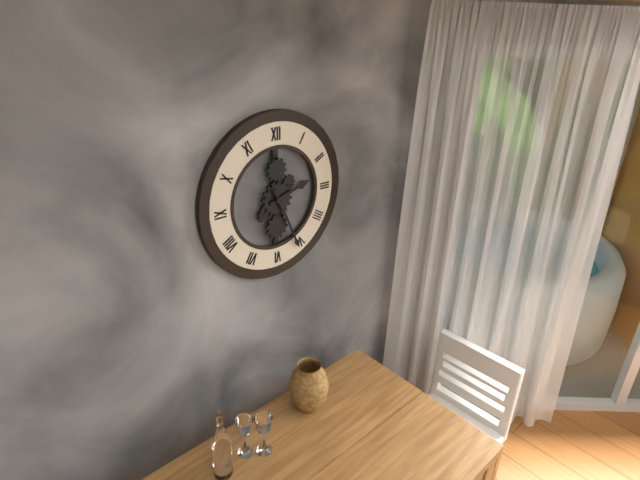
2:26
